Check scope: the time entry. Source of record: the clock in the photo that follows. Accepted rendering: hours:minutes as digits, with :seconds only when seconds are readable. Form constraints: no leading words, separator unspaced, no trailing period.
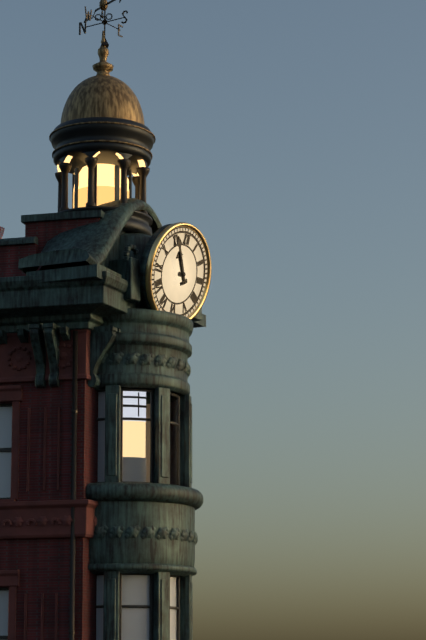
10:55
